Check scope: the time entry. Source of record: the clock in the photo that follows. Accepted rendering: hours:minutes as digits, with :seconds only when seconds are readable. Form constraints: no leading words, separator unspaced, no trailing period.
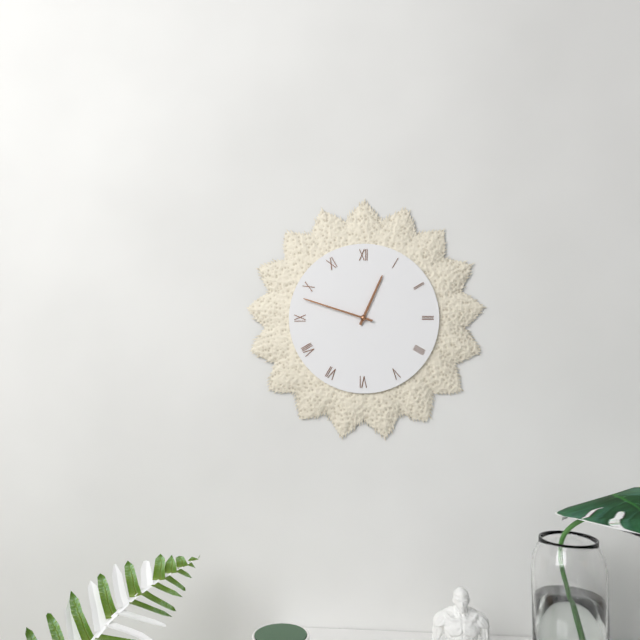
12:48
